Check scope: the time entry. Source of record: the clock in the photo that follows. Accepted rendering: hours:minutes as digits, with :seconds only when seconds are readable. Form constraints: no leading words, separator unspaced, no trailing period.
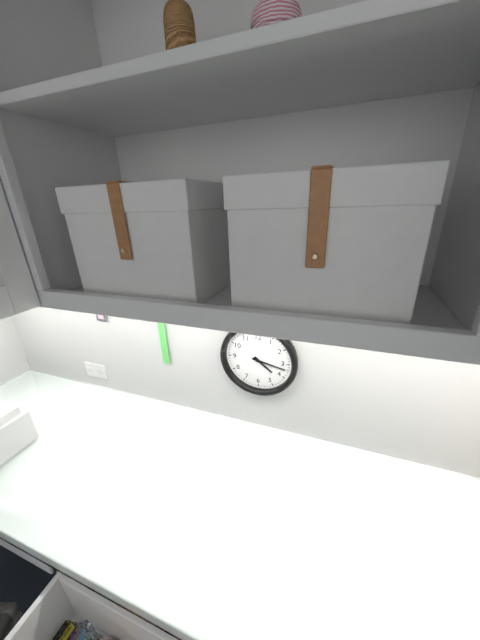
4:17
